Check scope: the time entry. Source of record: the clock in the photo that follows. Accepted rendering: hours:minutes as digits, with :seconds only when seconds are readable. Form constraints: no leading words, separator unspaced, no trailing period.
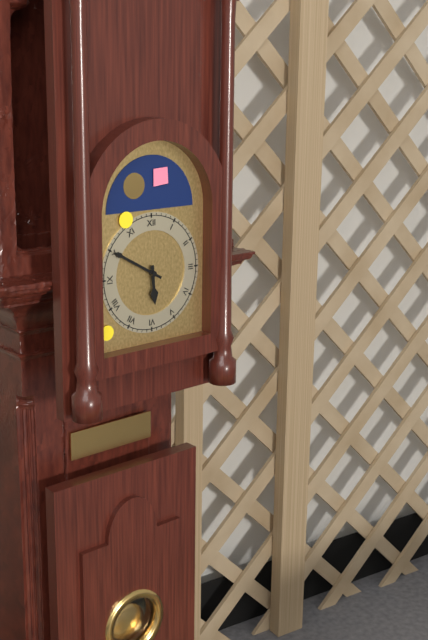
5:50
